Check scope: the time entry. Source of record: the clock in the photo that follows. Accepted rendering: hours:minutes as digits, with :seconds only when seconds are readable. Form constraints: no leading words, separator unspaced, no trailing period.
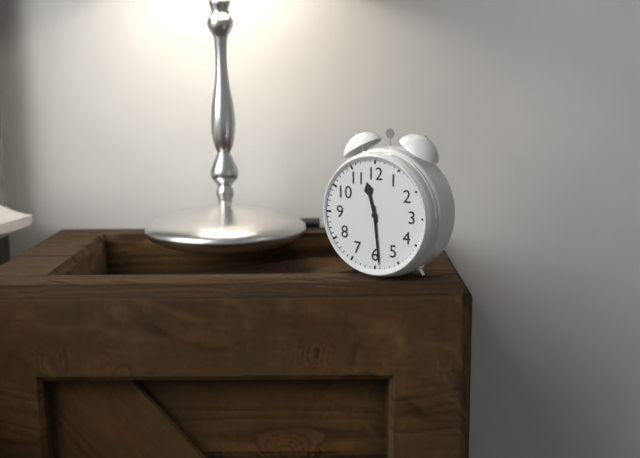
11:29
